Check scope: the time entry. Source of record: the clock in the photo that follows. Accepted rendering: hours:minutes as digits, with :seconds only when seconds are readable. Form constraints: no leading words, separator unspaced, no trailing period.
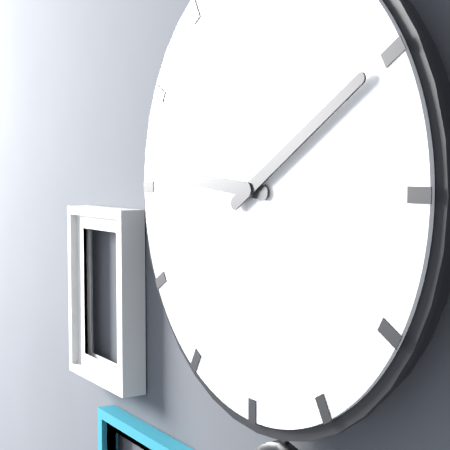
9:10
